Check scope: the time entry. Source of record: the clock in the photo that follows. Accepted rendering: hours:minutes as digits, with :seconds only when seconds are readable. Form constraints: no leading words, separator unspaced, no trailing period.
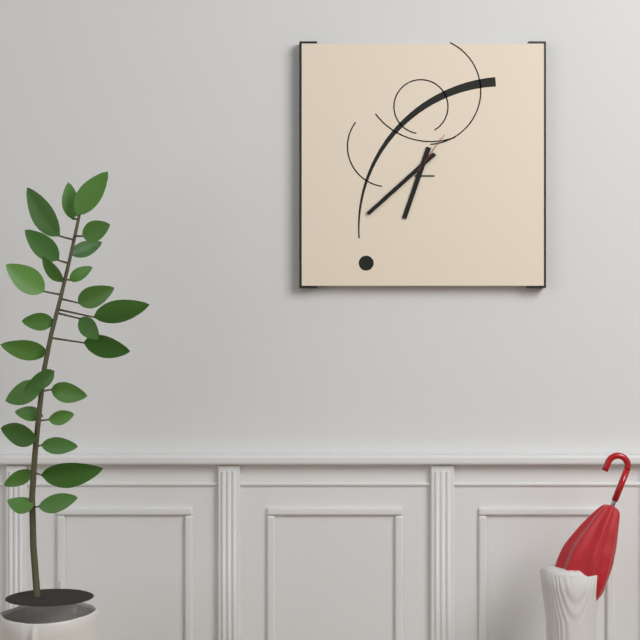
6:38
